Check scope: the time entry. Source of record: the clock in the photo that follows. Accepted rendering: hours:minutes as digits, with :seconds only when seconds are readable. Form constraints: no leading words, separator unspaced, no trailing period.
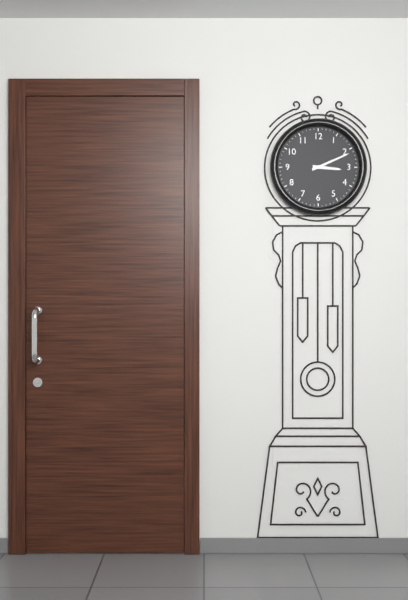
3:11
